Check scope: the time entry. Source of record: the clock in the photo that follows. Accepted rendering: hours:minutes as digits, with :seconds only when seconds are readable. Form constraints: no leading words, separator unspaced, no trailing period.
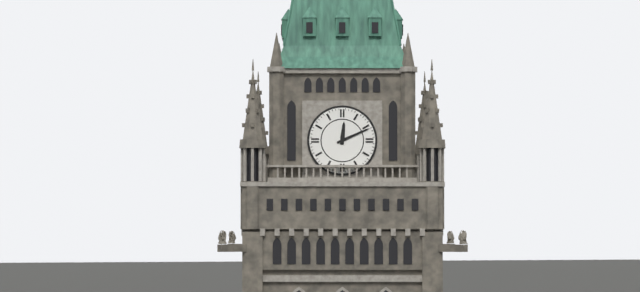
12:11
